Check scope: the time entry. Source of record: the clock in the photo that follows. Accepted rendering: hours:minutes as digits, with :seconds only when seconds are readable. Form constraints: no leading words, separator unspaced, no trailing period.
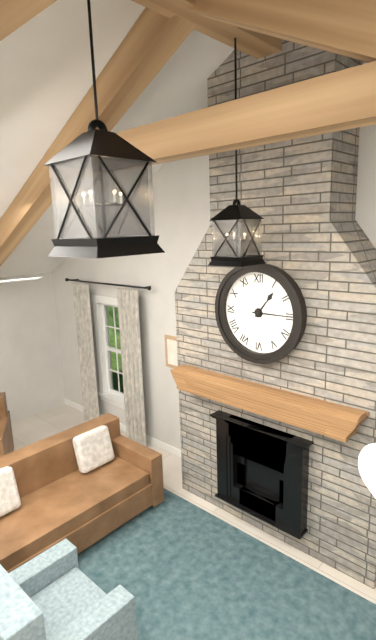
1:15
